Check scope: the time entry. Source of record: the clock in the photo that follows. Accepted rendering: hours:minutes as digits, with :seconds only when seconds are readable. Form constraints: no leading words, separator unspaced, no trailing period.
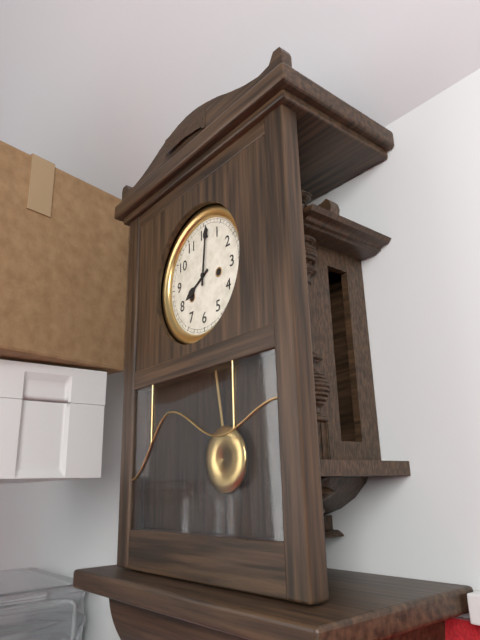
8:01
